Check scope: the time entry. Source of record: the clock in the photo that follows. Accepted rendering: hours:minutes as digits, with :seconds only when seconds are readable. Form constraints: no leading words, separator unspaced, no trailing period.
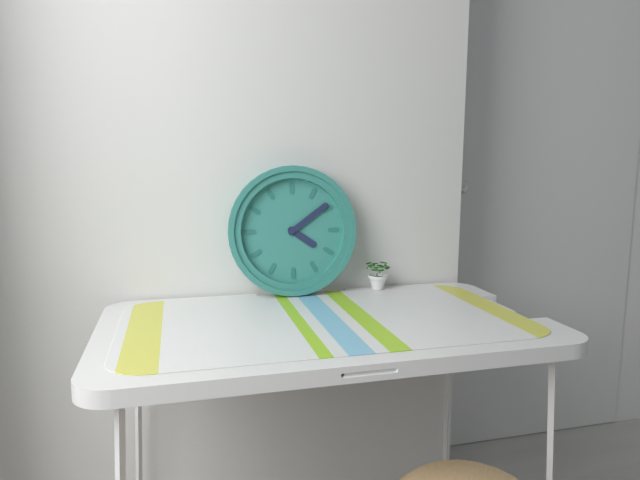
4:09
